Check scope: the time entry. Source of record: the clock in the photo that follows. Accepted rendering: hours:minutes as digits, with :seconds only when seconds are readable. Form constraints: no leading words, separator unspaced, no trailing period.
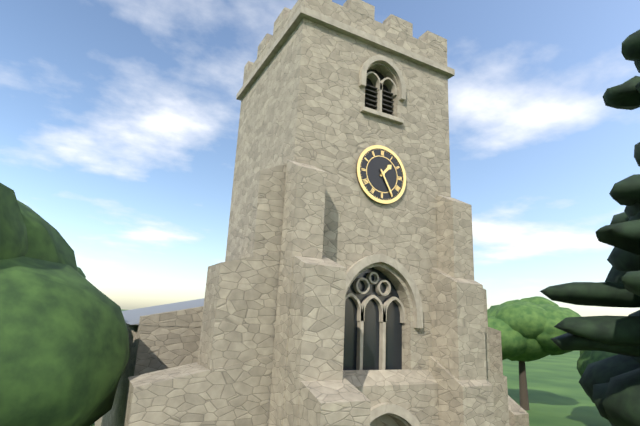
1:25
